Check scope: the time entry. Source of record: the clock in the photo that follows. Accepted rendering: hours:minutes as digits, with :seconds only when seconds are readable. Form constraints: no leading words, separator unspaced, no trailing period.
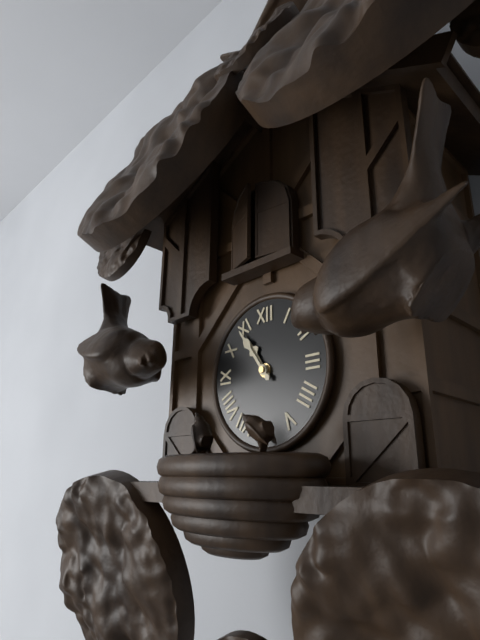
10:54
